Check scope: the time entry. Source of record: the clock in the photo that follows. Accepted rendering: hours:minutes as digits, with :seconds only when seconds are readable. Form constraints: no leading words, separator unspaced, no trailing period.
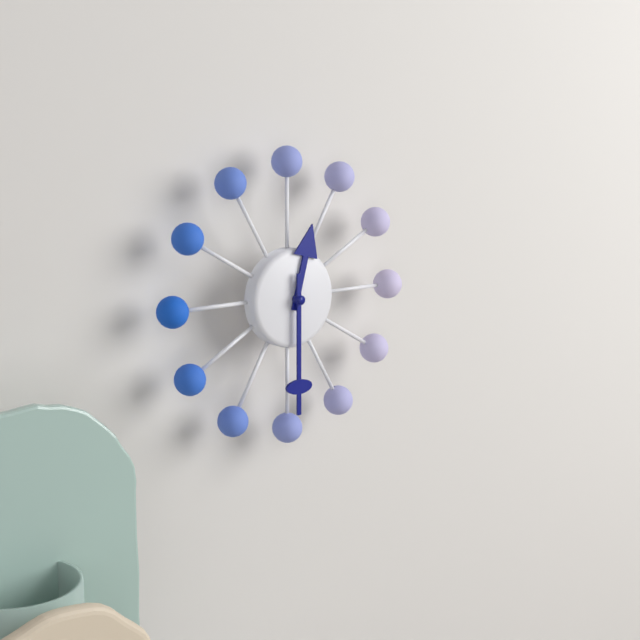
12:30
